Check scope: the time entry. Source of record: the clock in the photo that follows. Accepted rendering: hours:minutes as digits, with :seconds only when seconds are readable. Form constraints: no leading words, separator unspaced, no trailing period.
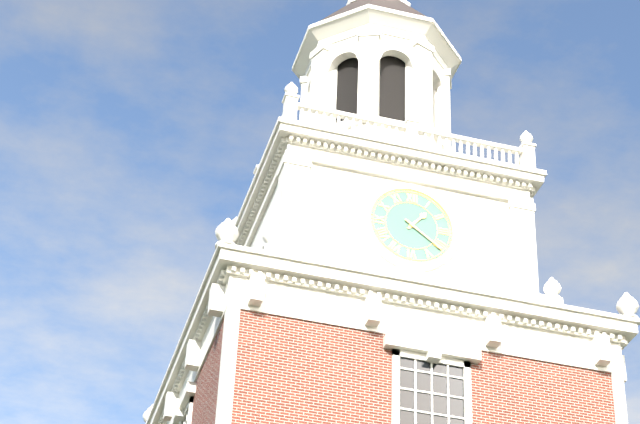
1:21
